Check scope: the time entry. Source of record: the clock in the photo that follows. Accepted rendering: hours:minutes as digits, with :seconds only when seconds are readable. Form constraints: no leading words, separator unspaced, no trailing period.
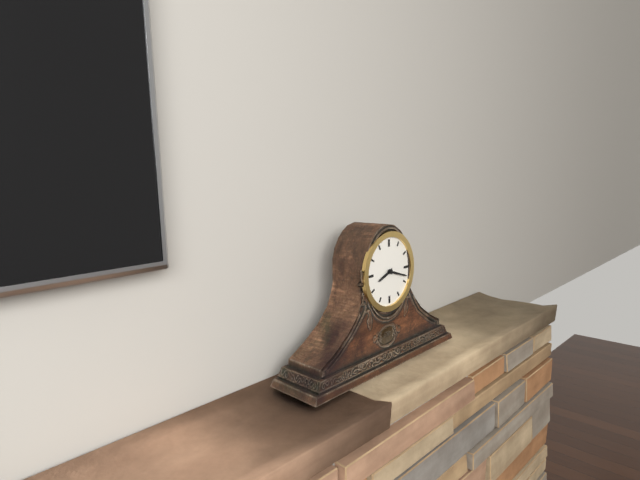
8:18
